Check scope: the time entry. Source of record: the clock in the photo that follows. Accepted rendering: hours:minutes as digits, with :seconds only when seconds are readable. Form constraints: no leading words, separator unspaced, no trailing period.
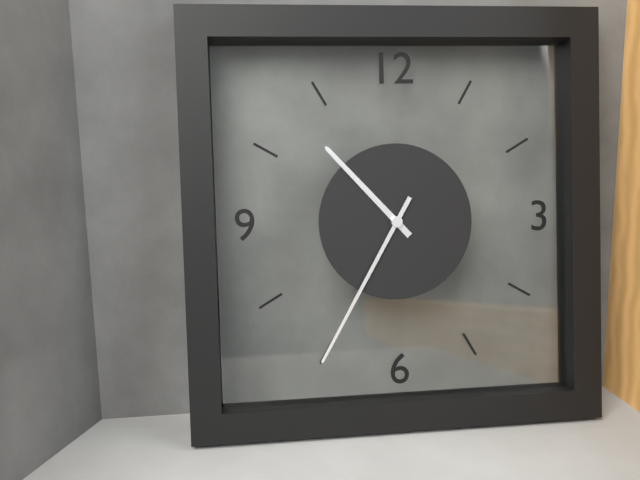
10:35
